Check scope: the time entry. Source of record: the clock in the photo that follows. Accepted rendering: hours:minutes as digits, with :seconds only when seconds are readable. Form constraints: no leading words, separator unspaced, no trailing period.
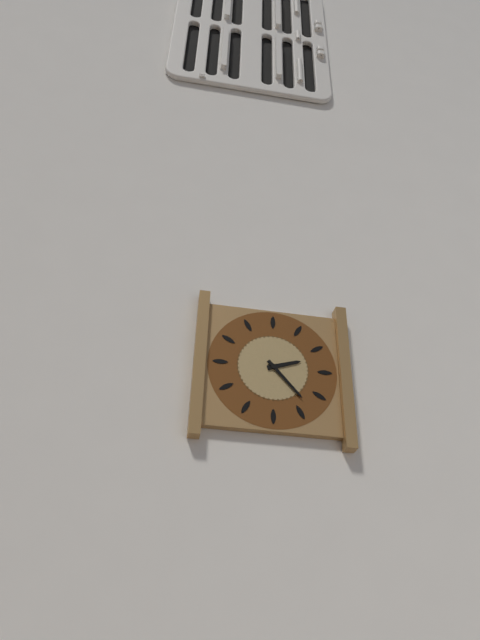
2:23
